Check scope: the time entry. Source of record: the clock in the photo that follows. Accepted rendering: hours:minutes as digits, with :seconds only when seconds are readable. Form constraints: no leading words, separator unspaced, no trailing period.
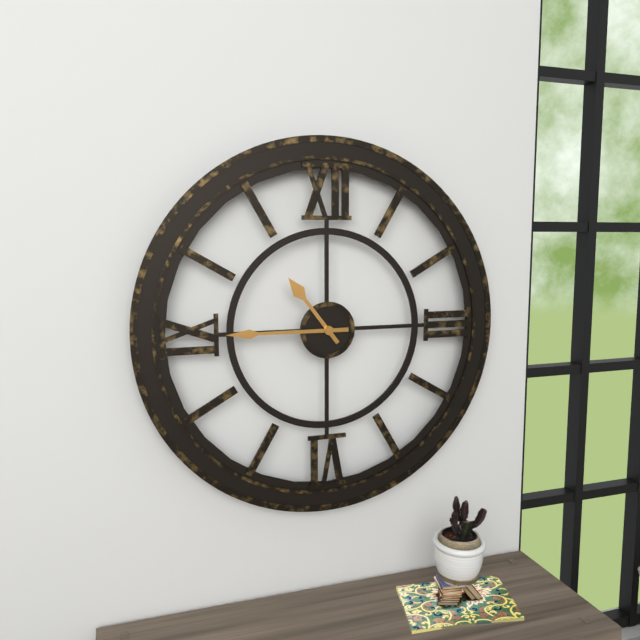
10:45
